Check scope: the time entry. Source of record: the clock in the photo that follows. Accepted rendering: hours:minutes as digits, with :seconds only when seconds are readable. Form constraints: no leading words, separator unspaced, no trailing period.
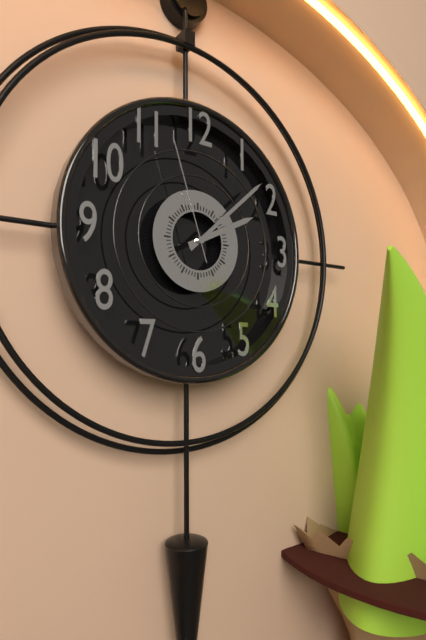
2:08:57
